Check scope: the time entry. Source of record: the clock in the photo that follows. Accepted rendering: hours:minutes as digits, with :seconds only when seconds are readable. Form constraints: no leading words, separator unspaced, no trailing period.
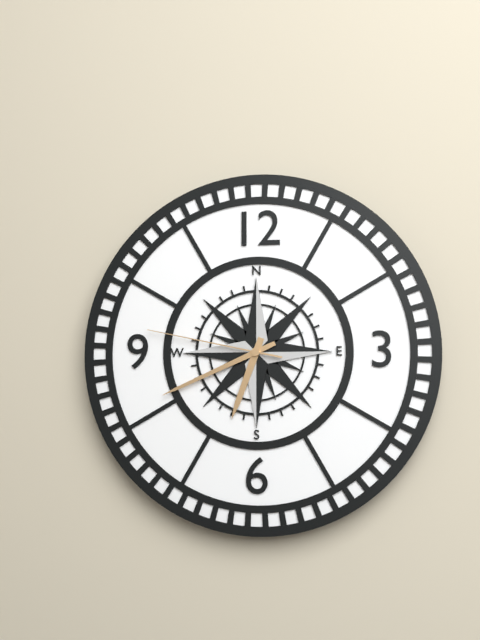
6:41:47
